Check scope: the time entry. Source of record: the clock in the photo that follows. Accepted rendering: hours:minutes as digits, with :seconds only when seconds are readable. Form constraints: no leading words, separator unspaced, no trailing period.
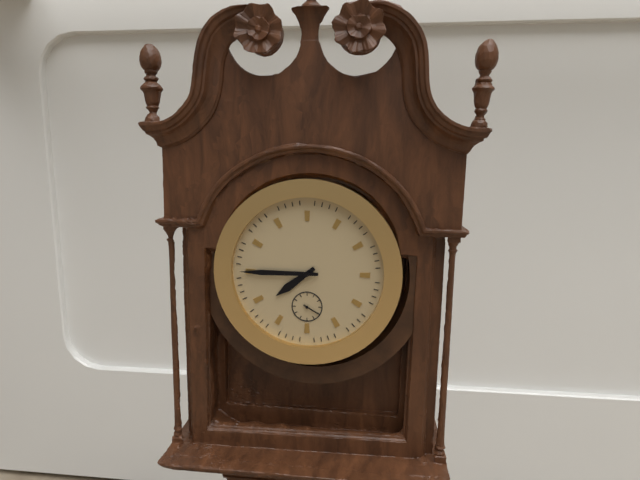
7:45
